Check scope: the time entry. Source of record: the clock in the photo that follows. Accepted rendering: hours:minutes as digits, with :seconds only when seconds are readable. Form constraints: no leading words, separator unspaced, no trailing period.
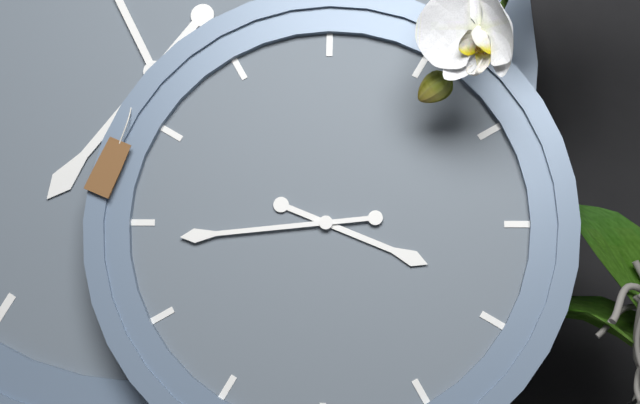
3:44
